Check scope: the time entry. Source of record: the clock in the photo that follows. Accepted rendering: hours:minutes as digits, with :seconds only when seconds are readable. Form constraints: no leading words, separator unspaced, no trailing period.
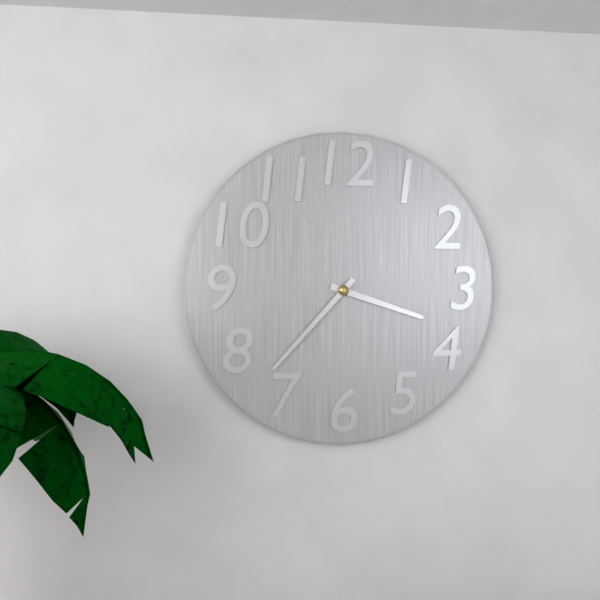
3:37
